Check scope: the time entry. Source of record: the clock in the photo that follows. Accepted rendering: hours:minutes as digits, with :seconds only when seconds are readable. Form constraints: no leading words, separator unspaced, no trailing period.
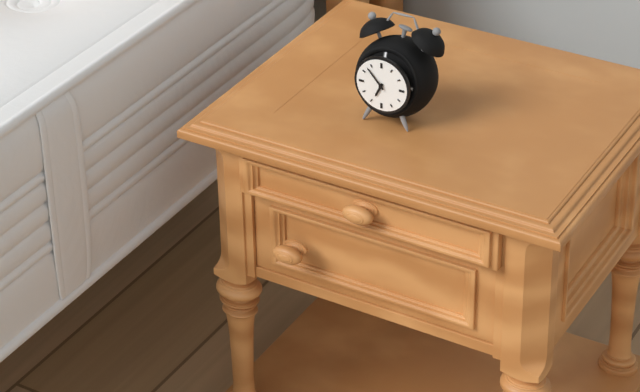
6:53
